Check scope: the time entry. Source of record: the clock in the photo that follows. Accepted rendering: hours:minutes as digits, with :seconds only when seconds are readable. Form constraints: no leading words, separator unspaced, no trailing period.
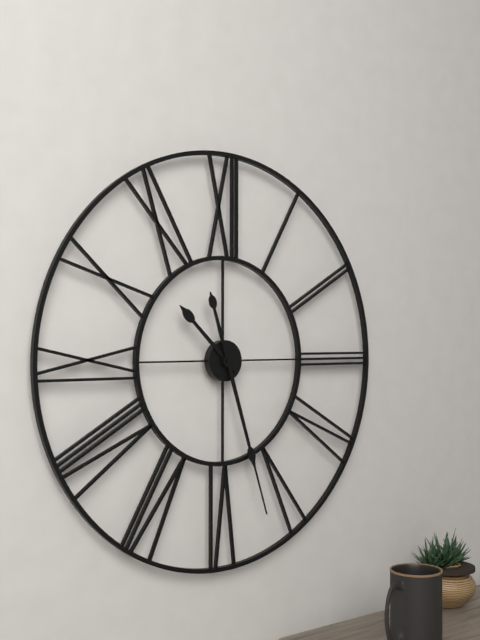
10:27
